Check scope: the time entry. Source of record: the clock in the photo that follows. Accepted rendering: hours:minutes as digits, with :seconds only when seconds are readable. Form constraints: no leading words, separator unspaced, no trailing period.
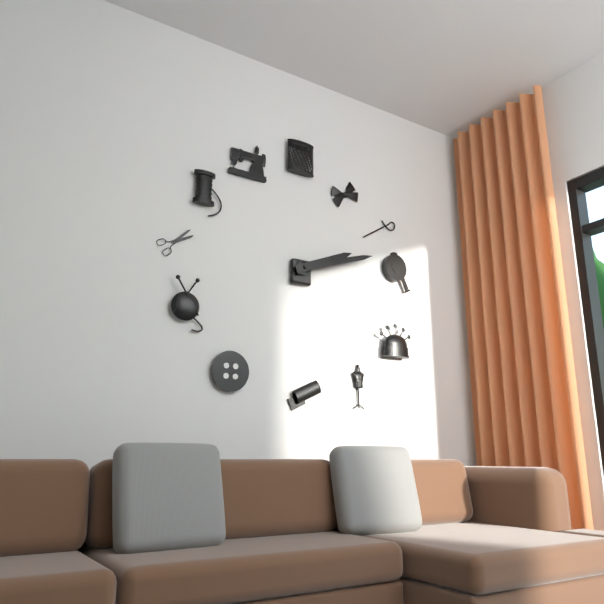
2:12
